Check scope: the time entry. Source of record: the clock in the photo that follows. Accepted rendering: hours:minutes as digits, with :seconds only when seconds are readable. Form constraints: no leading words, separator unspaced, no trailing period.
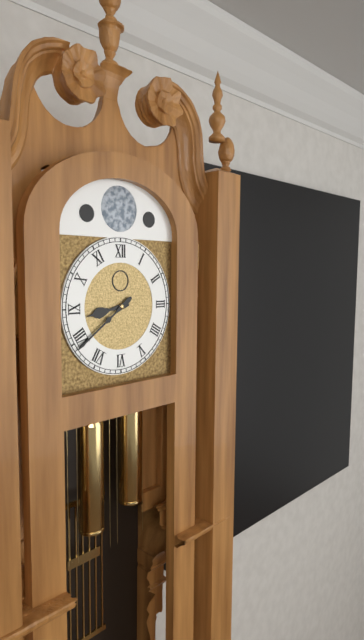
8:39
